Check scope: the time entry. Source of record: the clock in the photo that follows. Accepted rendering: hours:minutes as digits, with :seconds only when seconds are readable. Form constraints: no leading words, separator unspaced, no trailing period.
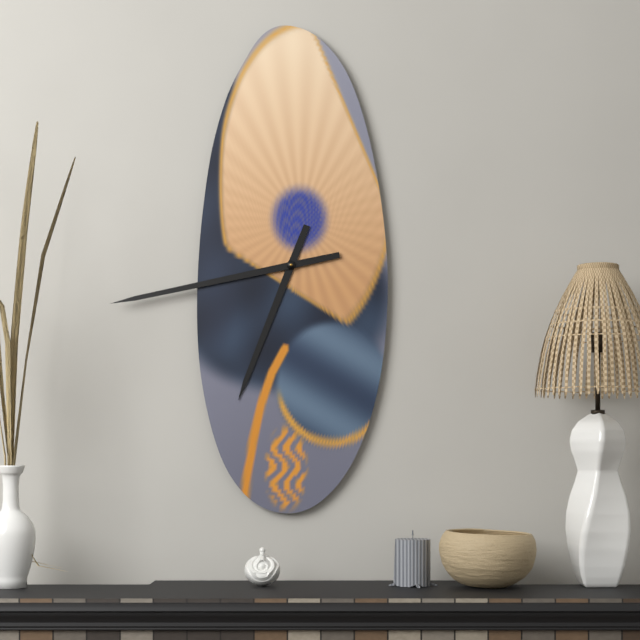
6:43
